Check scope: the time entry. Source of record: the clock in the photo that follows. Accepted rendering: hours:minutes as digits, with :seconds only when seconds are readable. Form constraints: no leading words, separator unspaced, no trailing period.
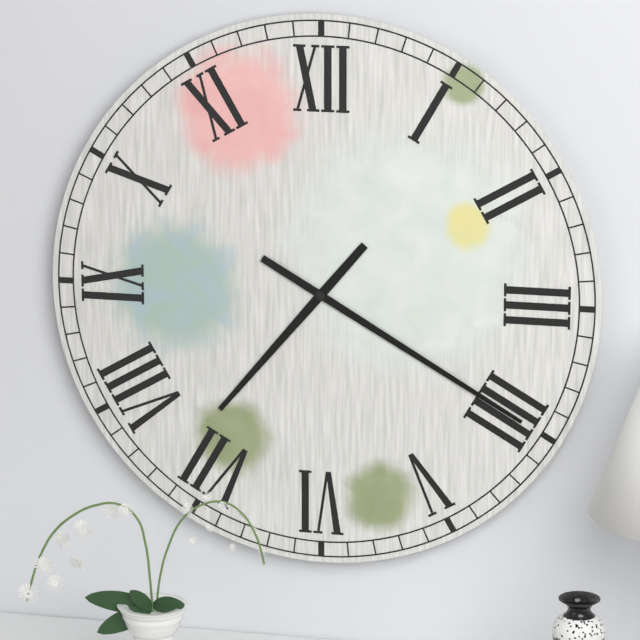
7:20
